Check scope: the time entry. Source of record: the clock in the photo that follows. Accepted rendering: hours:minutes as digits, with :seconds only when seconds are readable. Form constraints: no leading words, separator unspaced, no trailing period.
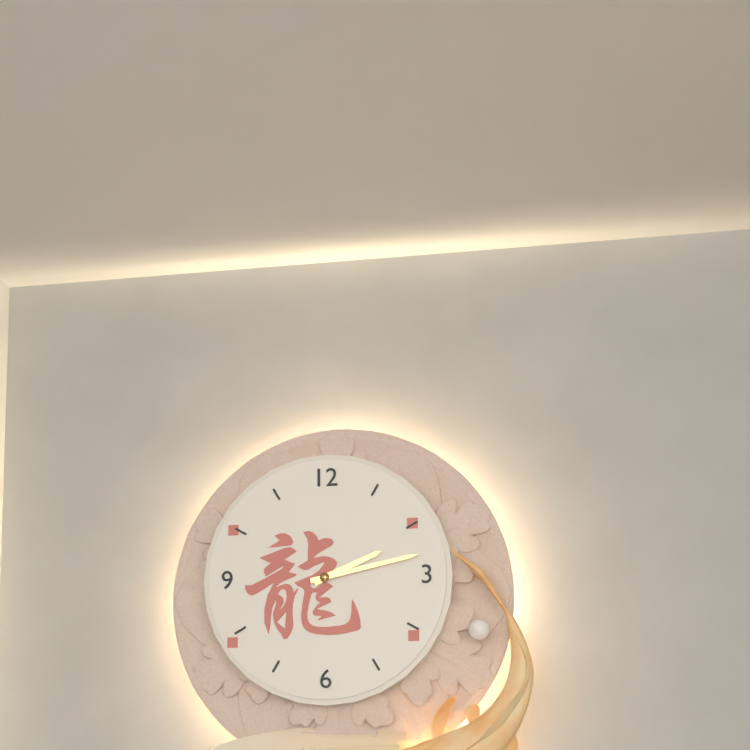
2:13
